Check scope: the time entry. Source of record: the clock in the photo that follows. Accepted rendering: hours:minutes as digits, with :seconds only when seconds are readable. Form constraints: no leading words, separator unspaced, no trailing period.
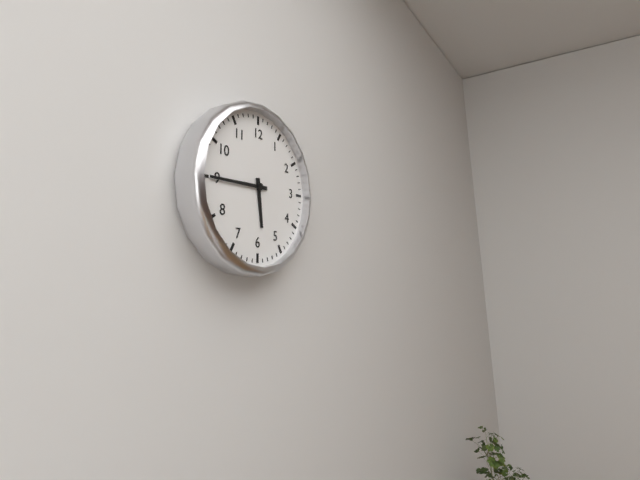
5:45
